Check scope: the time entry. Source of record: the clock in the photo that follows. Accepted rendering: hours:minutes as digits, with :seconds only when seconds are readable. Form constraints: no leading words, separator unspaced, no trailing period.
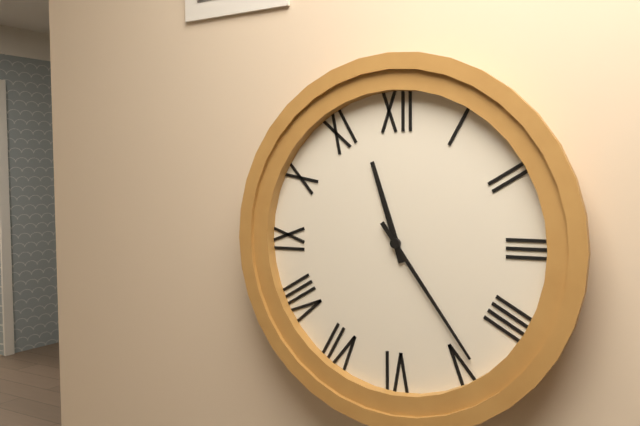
11:24
